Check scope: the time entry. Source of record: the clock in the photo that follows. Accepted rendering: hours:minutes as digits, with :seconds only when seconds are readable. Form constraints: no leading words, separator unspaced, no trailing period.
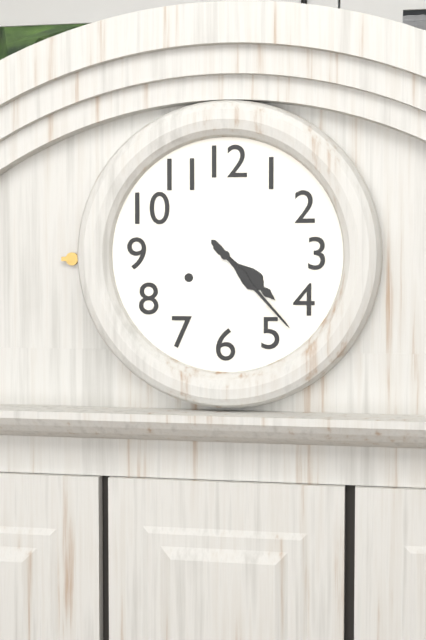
4:23
